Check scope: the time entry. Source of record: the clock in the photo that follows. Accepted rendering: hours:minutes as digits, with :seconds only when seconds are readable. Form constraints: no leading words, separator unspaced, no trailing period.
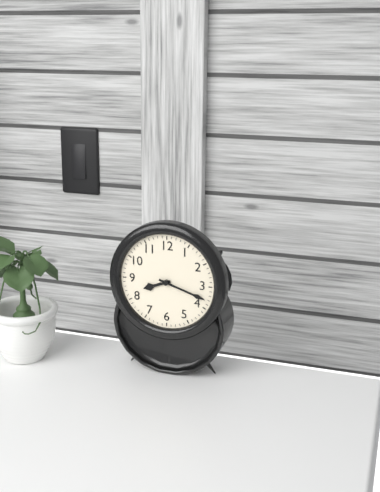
8:18
